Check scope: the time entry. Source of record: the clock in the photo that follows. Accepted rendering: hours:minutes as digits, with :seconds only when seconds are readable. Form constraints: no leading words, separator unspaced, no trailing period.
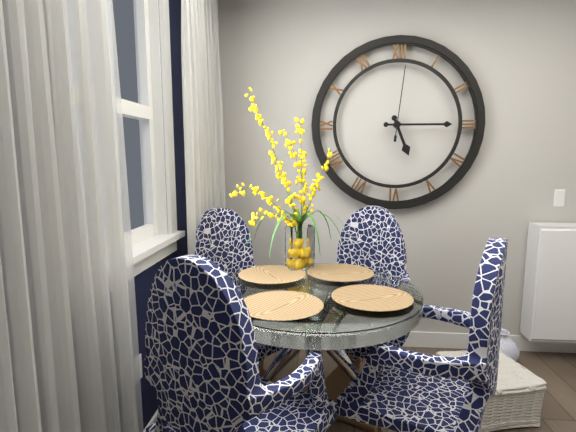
5:15:01
